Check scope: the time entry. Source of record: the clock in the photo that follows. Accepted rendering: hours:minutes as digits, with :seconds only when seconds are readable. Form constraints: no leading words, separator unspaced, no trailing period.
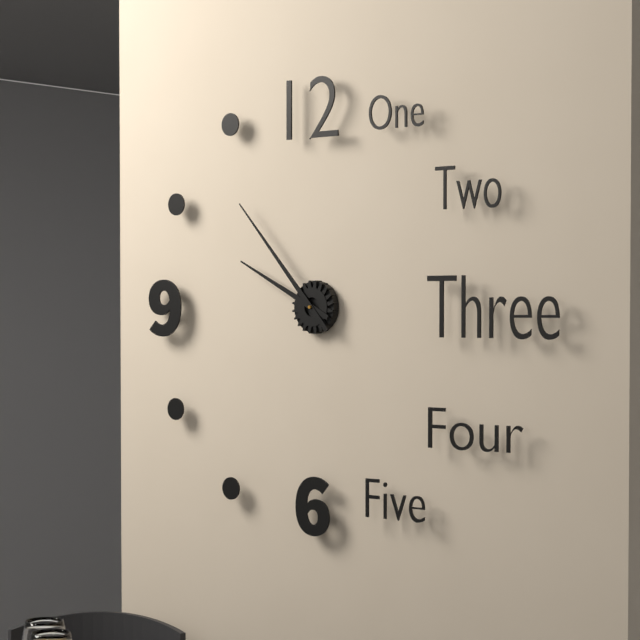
9:53
